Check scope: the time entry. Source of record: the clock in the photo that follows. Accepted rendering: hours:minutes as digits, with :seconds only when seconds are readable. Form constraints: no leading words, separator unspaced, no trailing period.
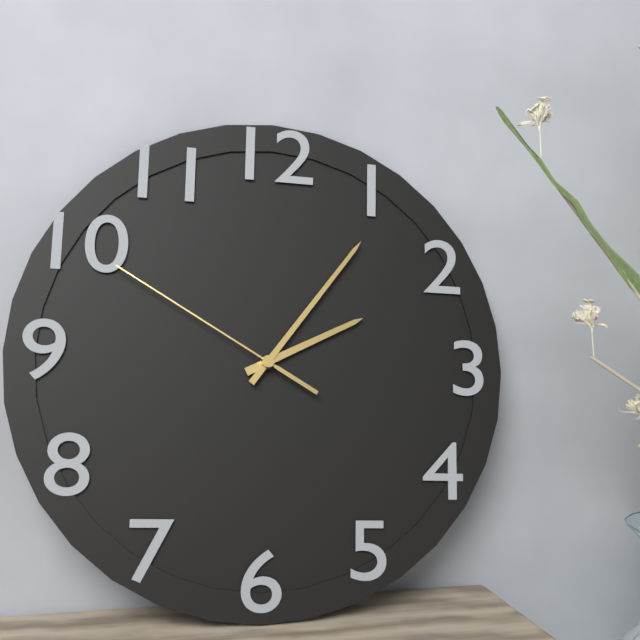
2:06:50
